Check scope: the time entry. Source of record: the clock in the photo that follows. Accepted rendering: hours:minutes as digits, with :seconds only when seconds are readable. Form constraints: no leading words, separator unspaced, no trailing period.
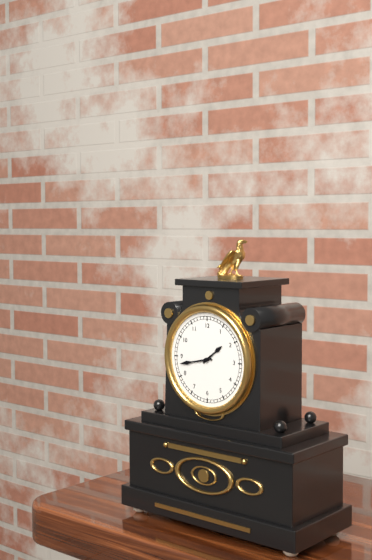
1:43
